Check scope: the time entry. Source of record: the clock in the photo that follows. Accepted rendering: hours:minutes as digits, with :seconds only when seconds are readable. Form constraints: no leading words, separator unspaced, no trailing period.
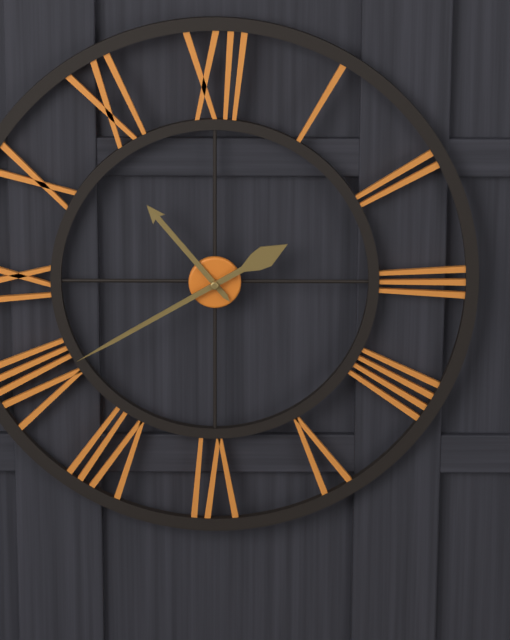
10:40
